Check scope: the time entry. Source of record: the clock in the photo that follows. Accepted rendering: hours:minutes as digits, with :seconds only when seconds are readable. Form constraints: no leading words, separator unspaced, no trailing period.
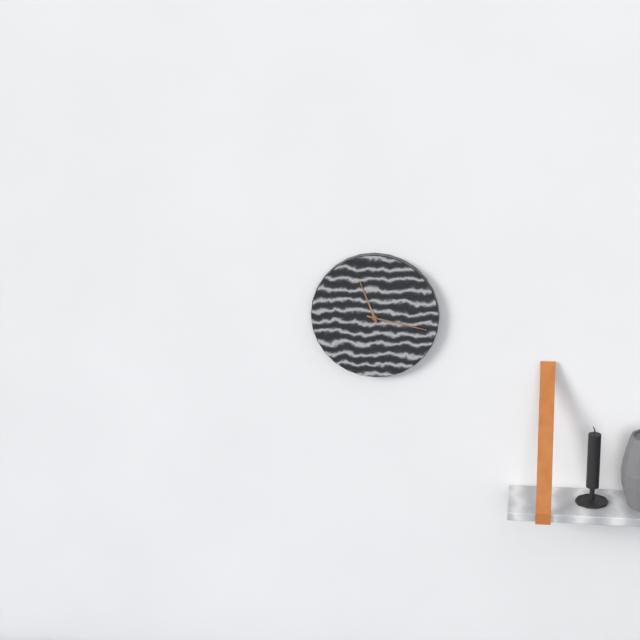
11:17
